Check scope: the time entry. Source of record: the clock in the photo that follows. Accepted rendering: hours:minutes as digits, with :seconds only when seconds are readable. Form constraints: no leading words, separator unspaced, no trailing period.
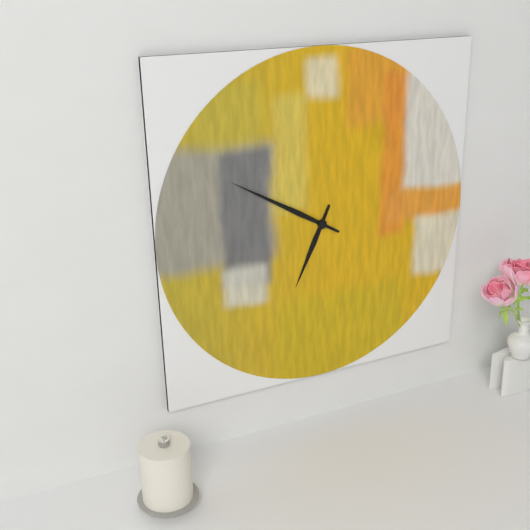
6:50
